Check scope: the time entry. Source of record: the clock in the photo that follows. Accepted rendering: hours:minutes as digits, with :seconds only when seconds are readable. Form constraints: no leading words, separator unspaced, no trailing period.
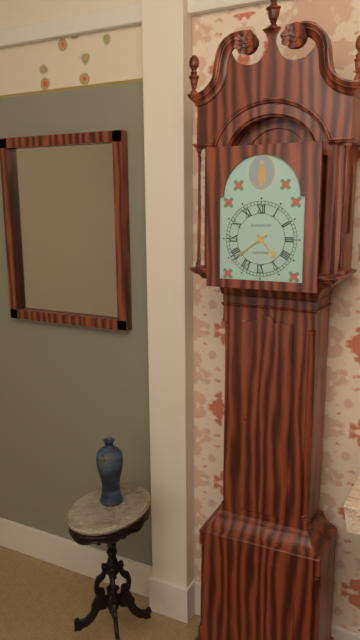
4:39
